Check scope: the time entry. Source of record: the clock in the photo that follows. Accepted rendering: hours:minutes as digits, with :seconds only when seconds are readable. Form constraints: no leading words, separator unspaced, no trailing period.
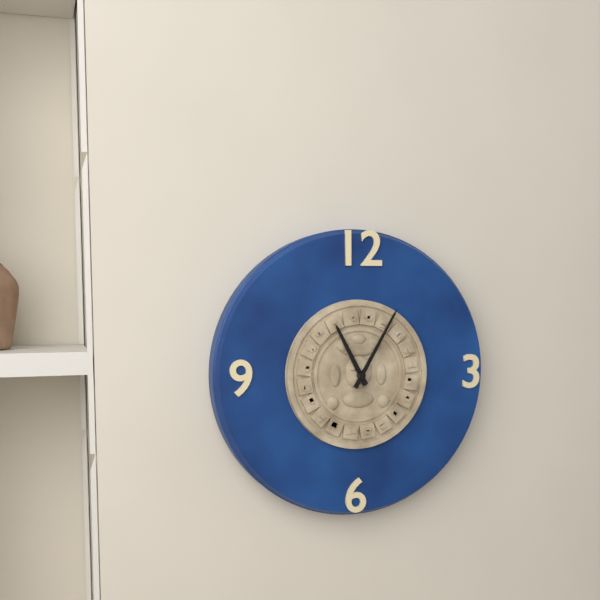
11:05
